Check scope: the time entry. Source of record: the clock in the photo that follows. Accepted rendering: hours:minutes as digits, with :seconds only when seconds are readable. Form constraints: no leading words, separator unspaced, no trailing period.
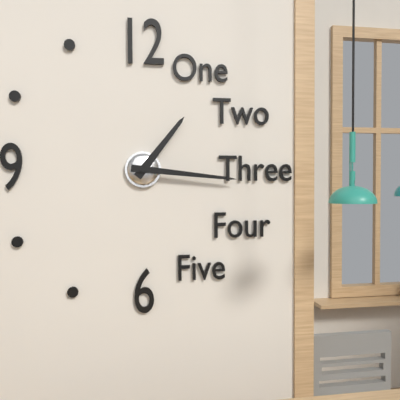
1:16
